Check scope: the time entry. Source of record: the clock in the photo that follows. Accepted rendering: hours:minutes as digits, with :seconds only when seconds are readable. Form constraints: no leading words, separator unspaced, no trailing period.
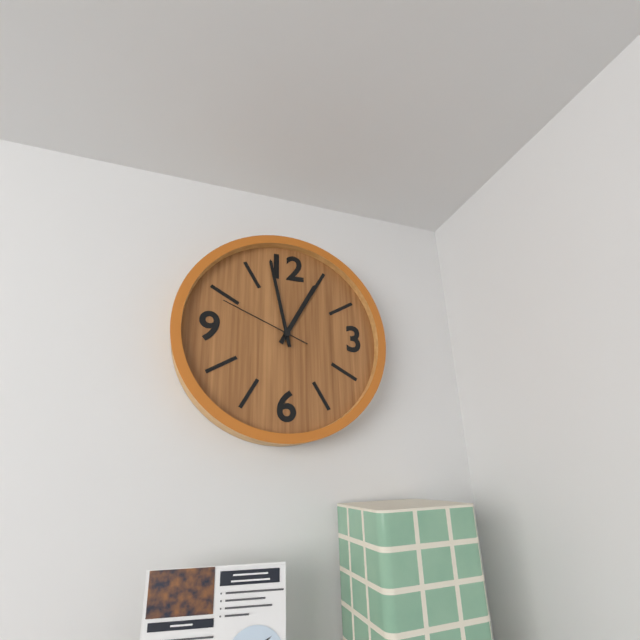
12:58:49
